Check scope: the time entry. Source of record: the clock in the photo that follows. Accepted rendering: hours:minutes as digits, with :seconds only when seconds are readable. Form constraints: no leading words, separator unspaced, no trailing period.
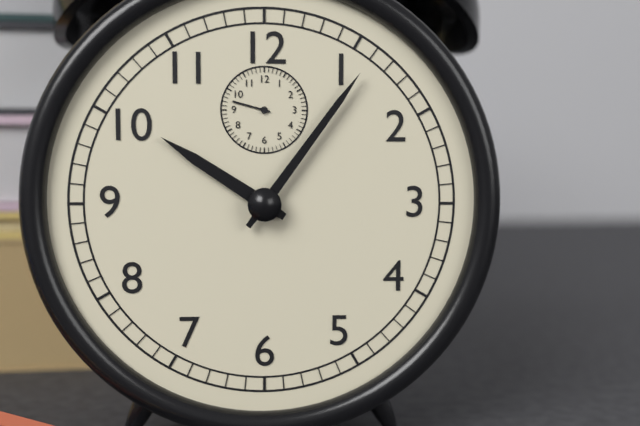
10:06
